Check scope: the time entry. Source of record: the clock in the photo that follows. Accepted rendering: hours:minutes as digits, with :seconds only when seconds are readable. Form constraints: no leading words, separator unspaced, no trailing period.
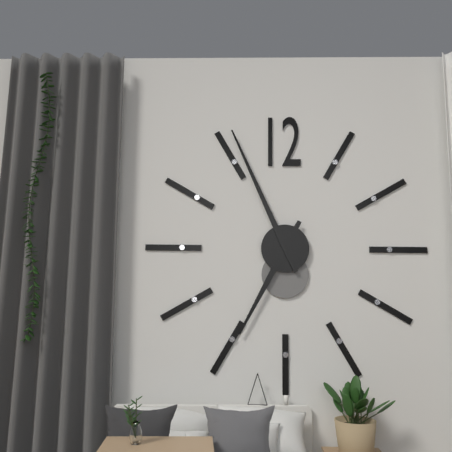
6:56
